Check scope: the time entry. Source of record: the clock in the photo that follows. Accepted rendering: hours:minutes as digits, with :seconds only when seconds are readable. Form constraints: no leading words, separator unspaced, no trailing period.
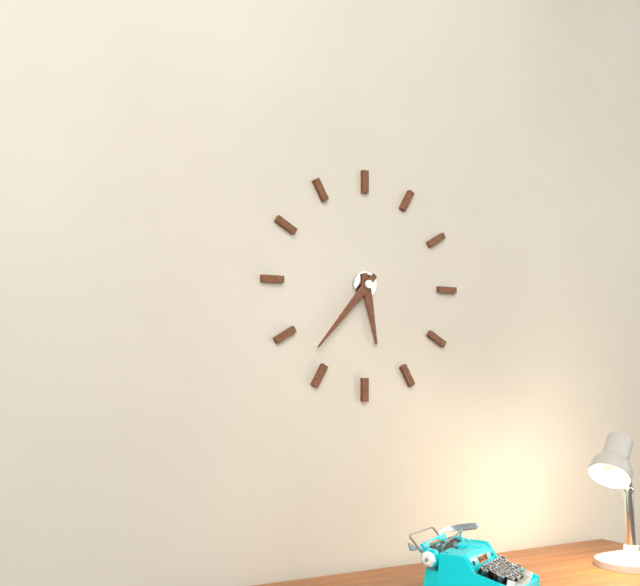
5:37
